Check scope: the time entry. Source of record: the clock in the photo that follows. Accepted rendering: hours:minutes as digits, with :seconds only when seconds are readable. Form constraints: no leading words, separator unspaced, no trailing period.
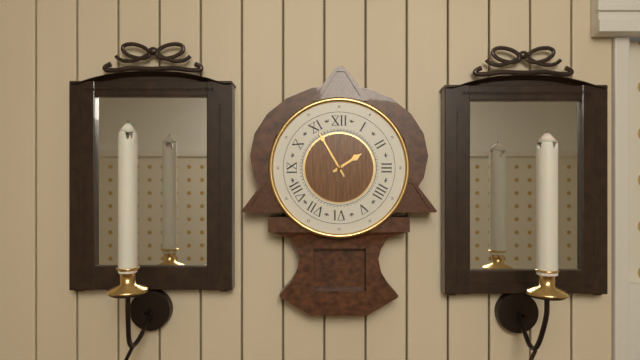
1:55
